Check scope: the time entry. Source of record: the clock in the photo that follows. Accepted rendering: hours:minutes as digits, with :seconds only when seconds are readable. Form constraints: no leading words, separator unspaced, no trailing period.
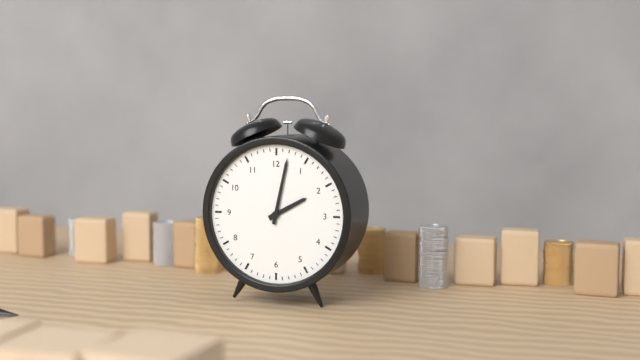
2:02
